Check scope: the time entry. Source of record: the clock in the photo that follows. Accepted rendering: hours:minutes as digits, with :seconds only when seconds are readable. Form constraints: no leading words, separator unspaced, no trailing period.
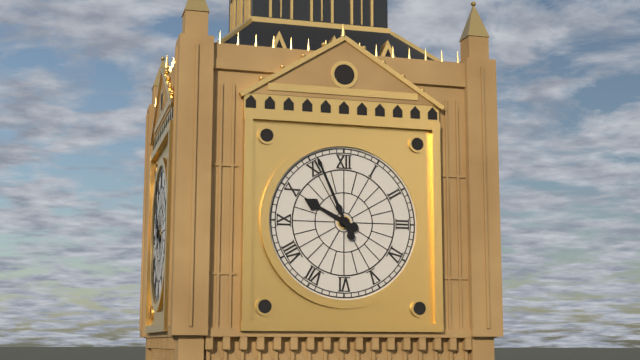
9:56
